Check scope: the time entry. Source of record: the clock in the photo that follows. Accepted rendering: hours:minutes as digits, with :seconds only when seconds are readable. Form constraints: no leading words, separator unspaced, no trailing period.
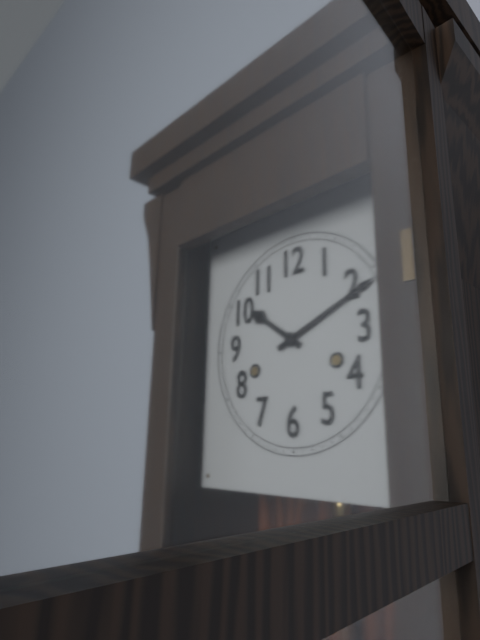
10:11
